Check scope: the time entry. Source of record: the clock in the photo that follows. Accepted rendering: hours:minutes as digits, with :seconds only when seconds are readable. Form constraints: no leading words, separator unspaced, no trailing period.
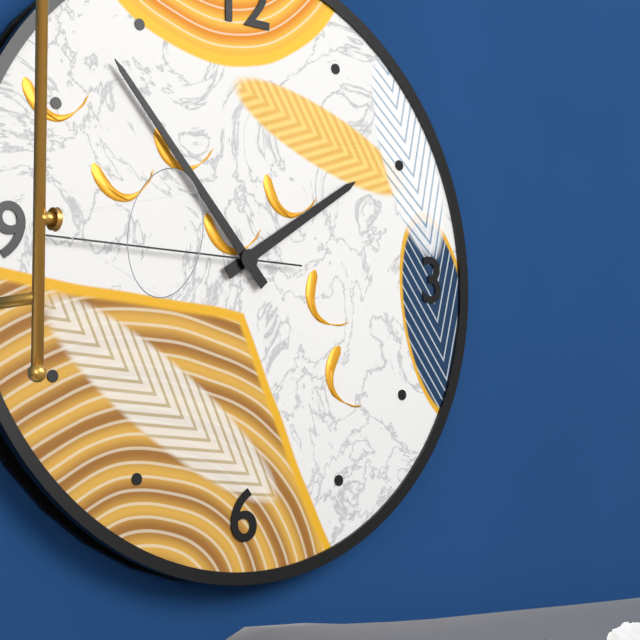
1:53:45
